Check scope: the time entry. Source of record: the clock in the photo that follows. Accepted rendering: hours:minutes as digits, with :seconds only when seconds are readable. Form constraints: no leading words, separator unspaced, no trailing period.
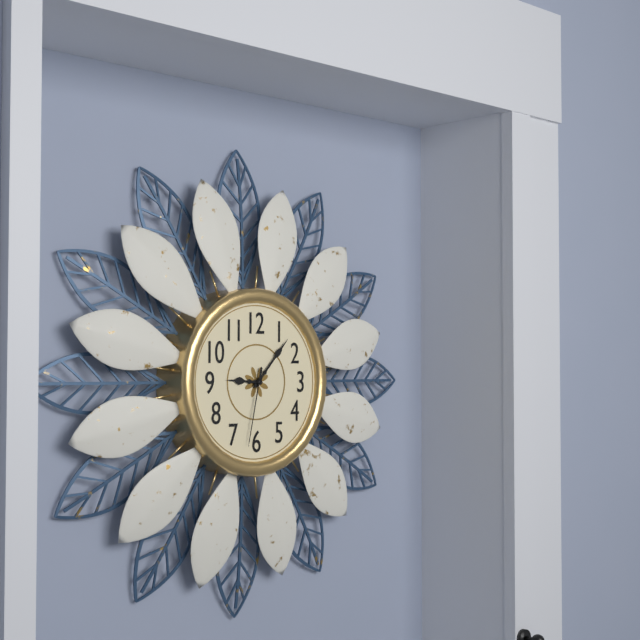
9:07:32
